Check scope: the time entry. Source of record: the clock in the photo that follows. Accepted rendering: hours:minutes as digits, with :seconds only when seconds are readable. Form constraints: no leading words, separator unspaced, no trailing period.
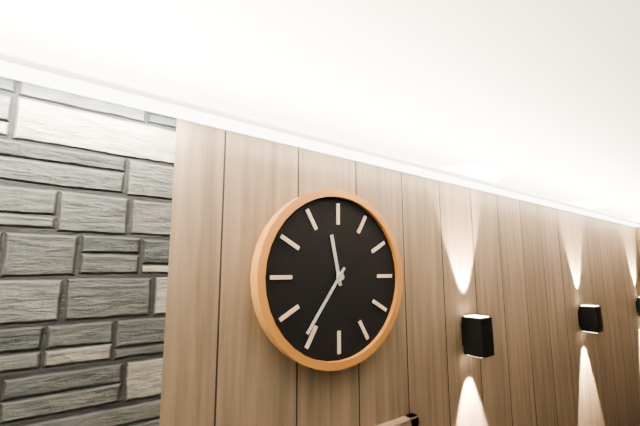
11:36
